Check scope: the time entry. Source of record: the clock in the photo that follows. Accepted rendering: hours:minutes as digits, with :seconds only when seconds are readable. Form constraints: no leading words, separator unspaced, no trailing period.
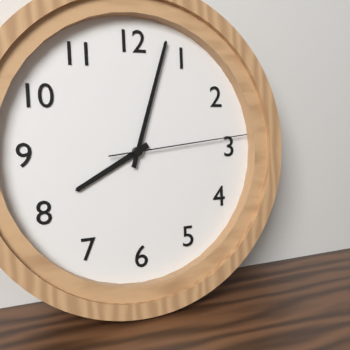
8:03:14
